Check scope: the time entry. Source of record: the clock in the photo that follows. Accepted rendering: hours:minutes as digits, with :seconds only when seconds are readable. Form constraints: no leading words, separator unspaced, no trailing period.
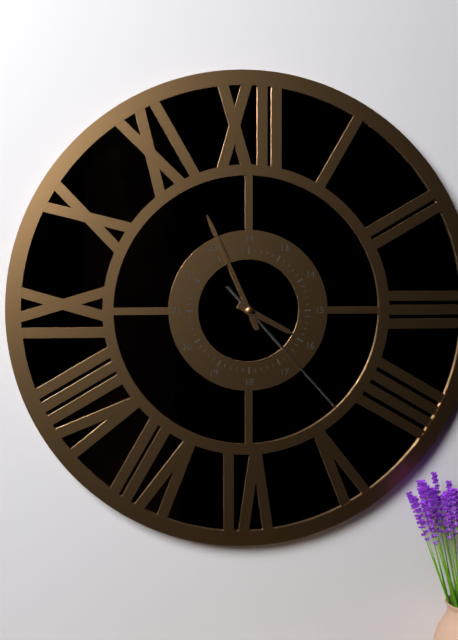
3:56:23
